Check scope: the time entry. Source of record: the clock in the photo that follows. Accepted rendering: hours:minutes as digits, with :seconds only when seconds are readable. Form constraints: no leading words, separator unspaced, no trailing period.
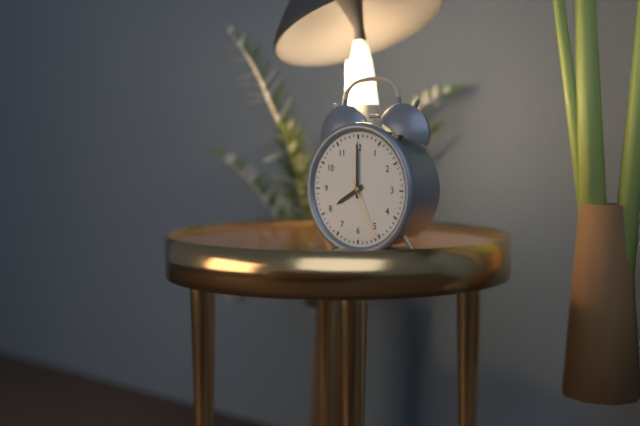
8:00:26
